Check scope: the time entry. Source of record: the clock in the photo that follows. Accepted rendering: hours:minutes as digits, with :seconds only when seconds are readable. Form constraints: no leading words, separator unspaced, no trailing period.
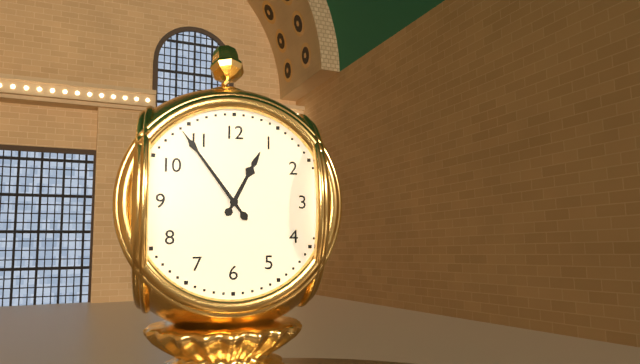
12:54
